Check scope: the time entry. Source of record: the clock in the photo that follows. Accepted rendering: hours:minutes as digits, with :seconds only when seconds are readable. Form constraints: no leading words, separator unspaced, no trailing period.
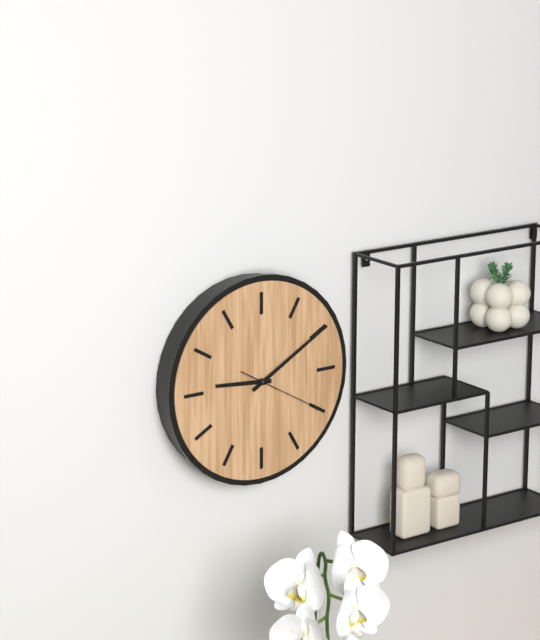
9:10:20
